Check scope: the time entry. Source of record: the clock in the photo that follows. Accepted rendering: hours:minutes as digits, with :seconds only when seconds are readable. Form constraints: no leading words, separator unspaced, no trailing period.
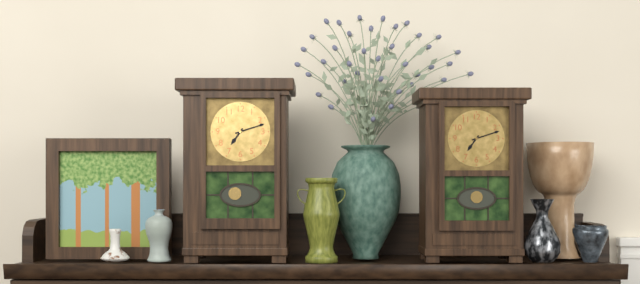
7:12
